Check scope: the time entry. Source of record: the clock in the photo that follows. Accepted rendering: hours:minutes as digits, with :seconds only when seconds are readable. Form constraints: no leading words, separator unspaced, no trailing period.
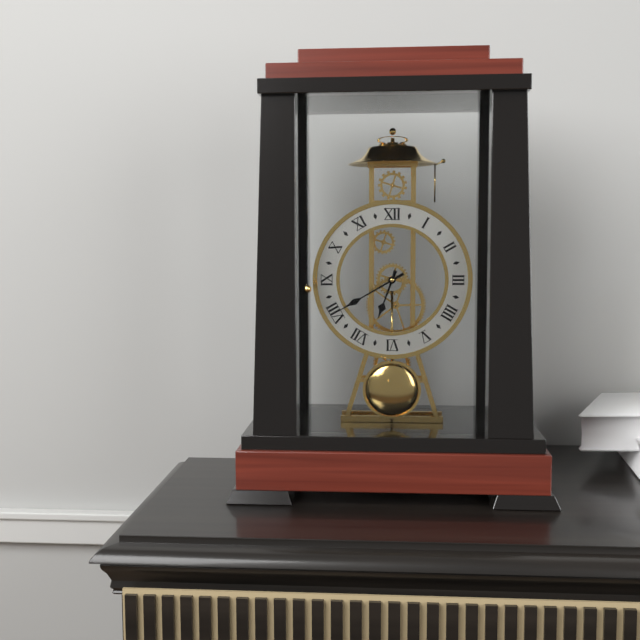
6:40
